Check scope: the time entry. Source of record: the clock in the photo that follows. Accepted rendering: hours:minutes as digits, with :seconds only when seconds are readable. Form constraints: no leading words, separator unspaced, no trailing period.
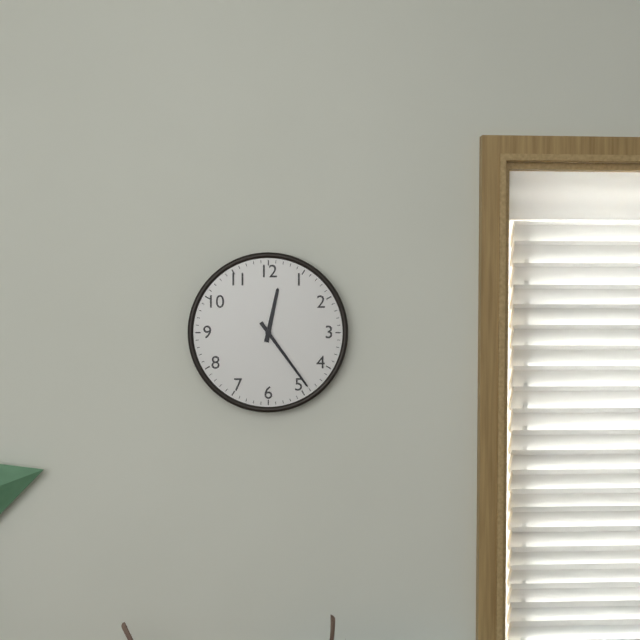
12:24
